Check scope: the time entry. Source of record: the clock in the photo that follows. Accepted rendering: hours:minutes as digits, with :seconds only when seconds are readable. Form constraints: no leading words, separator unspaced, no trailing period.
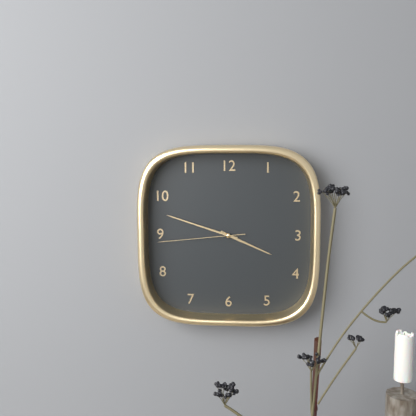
3:48:44
